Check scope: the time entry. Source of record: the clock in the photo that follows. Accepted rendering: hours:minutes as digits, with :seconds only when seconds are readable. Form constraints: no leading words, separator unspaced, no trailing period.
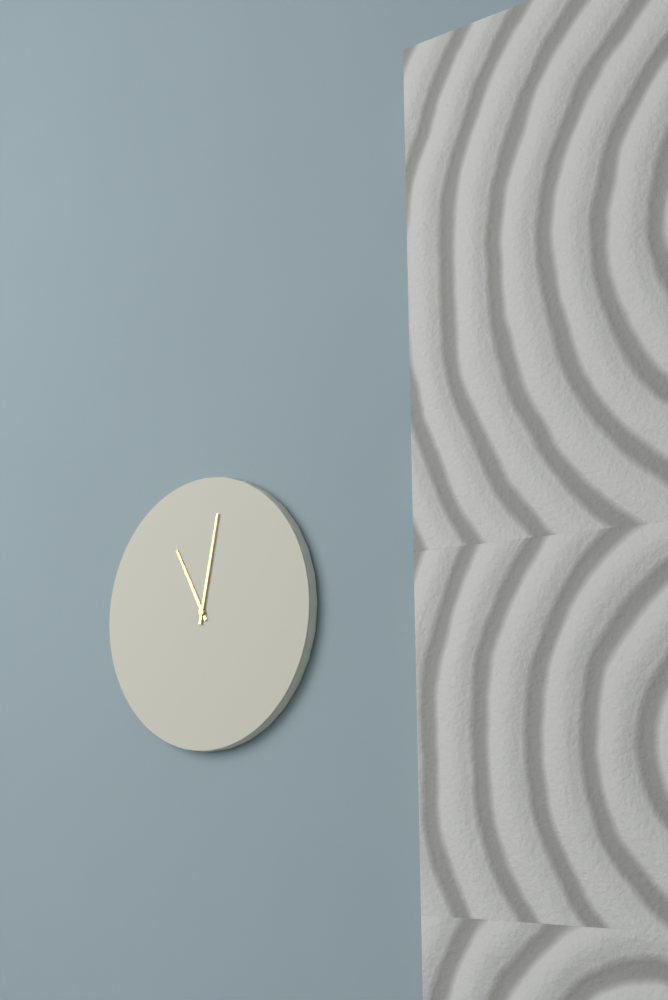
11:02
